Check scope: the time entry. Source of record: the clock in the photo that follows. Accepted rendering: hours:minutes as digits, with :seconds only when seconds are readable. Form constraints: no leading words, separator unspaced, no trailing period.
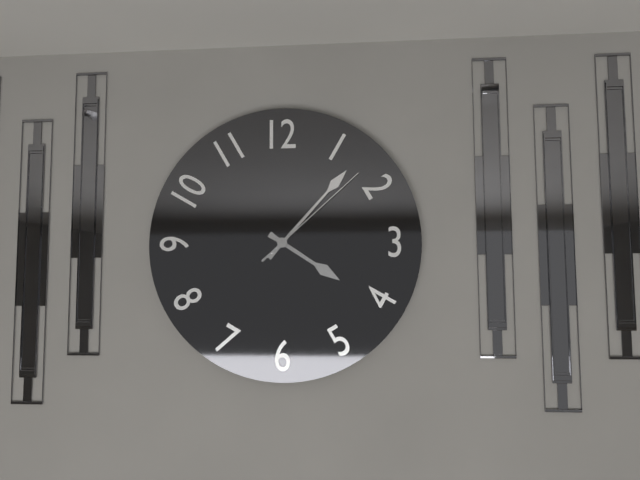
4:07:08
